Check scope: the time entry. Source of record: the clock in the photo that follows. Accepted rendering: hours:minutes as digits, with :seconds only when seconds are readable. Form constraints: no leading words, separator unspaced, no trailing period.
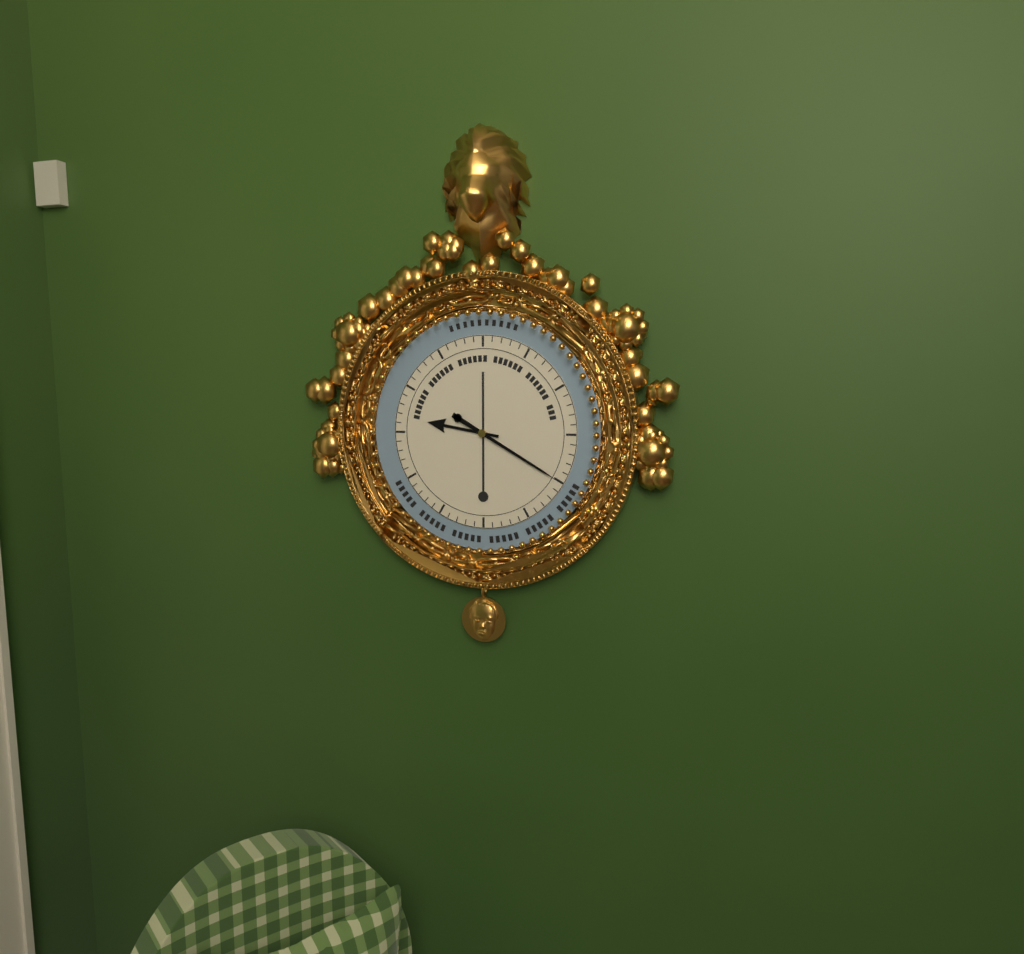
9:20
